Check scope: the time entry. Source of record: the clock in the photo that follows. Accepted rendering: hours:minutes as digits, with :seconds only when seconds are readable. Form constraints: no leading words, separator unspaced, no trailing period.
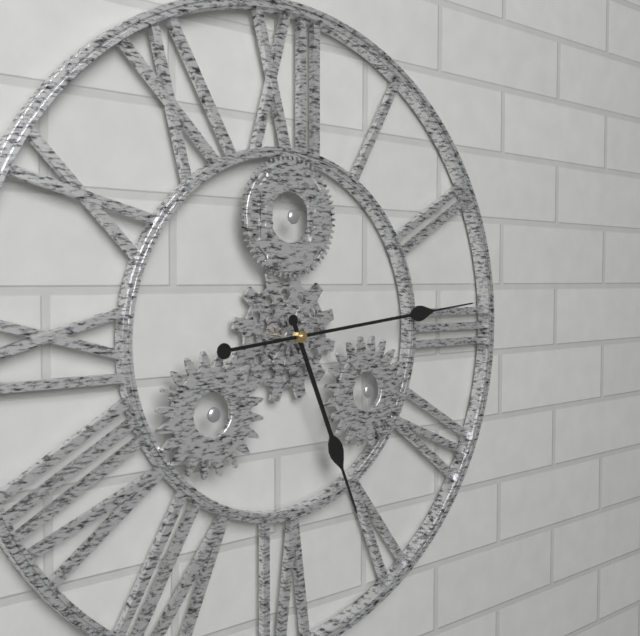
5:14
